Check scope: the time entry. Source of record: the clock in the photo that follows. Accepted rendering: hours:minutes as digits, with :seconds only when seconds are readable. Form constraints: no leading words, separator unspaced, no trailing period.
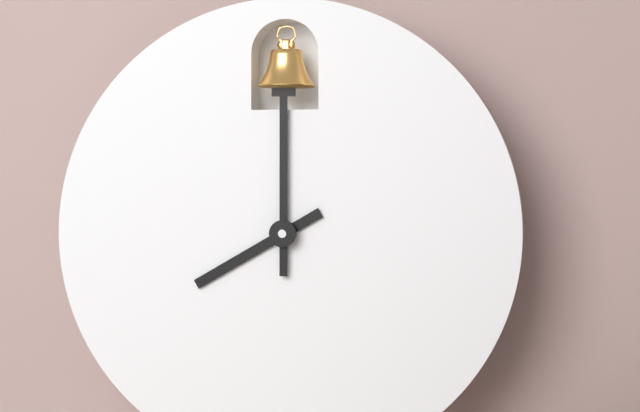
8:00
